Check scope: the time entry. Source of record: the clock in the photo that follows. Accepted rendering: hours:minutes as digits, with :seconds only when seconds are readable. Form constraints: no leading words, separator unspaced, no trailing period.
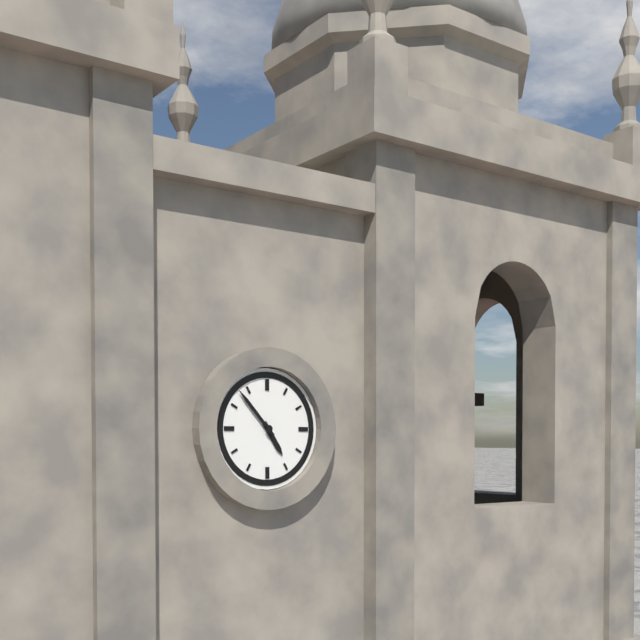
4:53
